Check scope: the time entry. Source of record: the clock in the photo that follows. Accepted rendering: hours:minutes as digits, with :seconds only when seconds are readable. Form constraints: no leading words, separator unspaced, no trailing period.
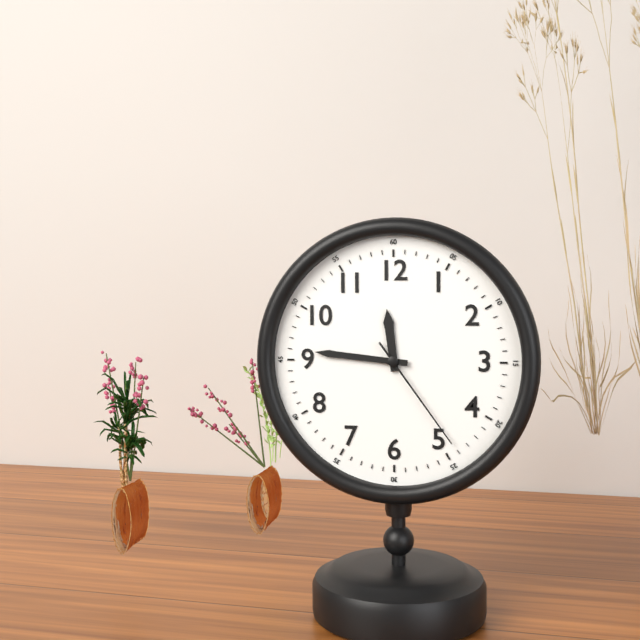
11:46:24
